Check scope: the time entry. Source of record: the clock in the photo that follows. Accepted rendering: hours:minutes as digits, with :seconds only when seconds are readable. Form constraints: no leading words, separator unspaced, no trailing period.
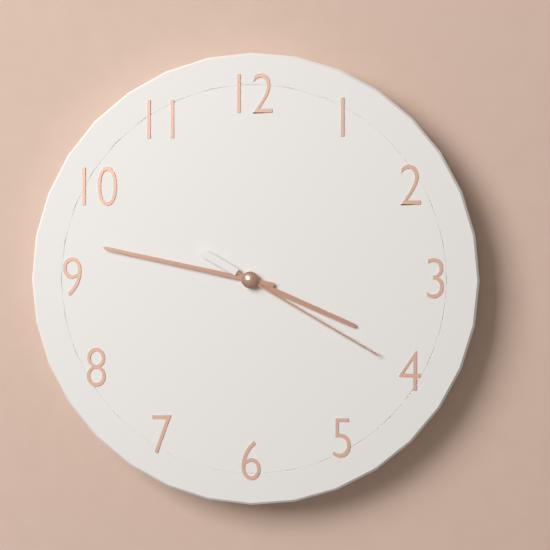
3:47:20
